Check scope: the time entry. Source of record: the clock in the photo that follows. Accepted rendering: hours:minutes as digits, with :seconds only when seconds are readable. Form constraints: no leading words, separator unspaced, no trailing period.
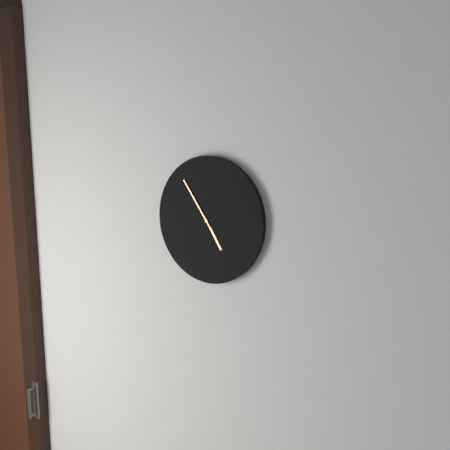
4:54
